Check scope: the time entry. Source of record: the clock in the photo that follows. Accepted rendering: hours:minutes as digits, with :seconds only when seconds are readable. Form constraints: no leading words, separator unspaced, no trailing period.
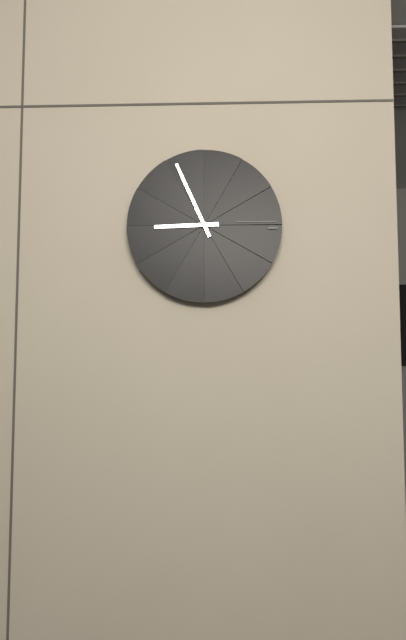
8:56
